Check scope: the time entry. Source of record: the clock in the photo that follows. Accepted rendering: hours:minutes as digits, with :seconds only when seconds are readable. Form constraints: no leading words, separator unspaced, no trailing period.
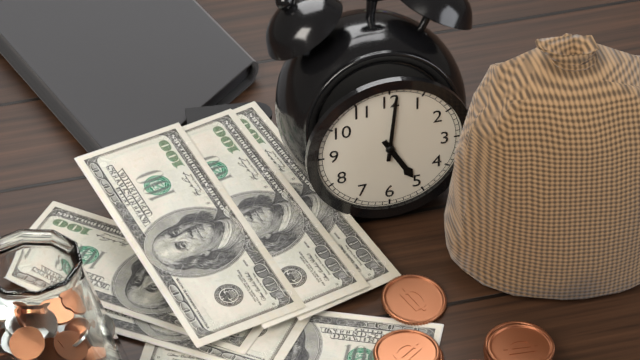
5:01
